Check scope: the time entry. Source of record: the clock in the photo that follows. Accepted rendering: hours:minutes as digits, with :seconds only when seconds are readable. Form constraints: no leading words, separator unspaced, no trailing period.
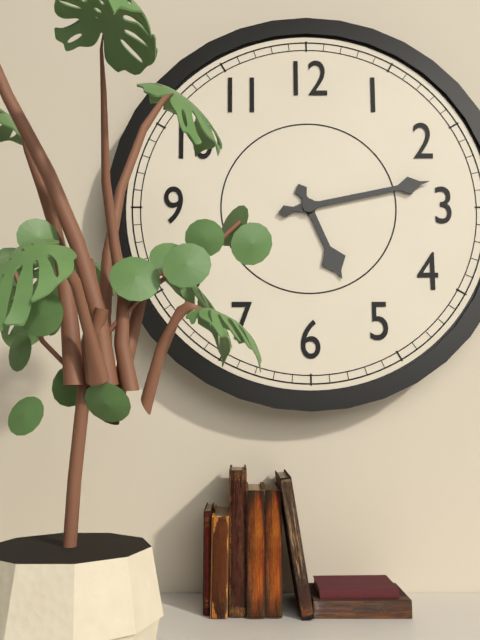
5:13
